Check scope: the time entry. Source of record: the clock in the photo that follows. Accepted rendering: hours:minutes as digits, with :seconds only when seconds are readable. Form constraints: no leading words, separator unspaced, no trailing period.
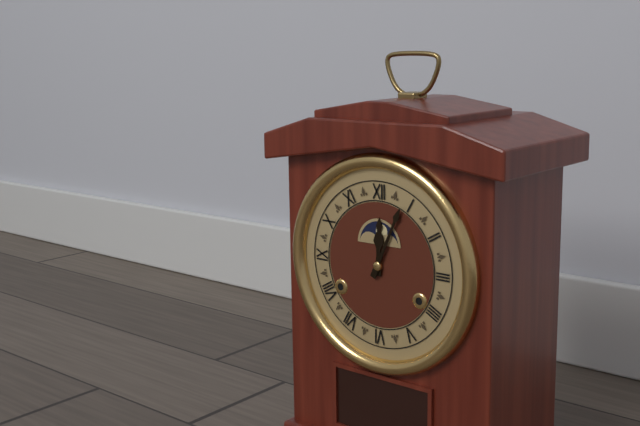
12:04
